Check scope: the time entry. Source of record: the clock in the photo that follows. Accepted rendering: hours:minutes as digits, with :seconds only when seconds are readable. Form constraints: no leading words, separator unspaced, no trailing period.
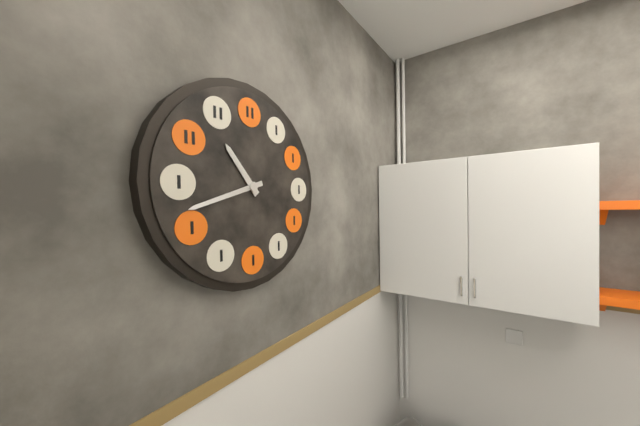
10:42
